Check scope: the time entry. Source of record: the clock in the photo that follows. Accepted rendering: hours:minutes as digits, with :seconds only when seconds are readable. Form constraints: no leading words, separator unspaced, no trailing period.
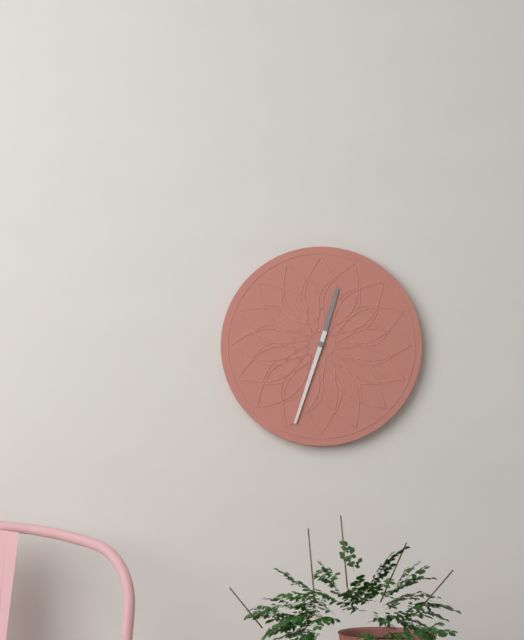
12:33
